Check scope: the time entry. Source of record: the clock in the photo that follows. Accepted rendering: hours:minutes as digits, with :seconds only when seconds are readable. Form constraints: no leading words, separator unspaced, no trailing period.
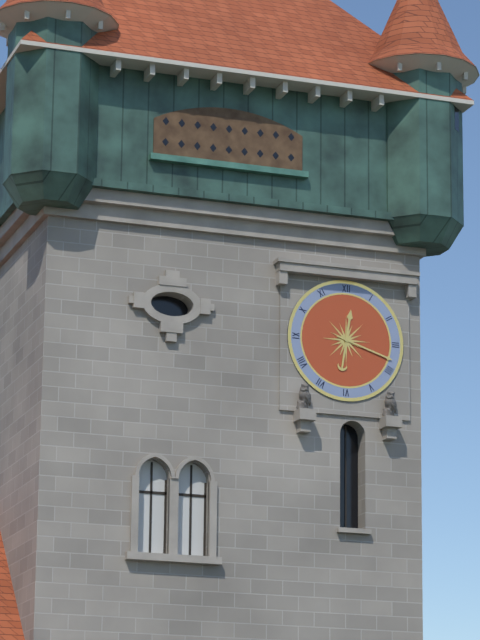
12:18
